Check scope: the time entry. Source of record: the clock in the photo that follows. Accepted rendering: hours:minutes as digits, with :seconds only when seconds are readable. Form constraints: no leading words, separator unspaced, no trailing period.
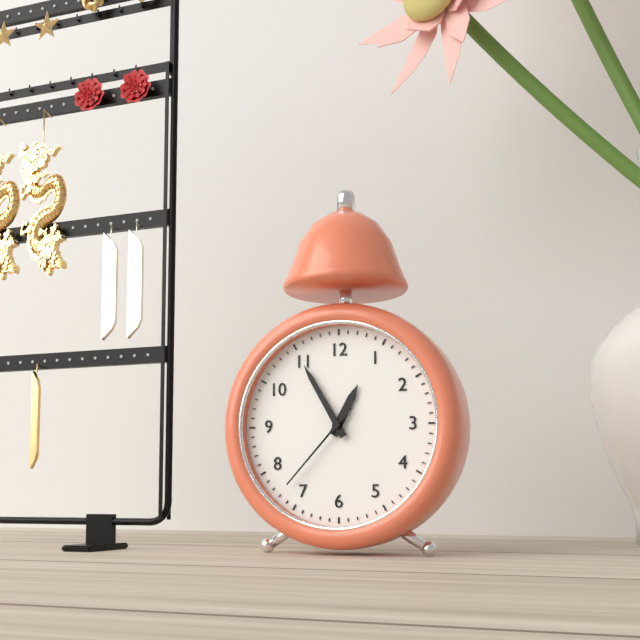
12:55:37
